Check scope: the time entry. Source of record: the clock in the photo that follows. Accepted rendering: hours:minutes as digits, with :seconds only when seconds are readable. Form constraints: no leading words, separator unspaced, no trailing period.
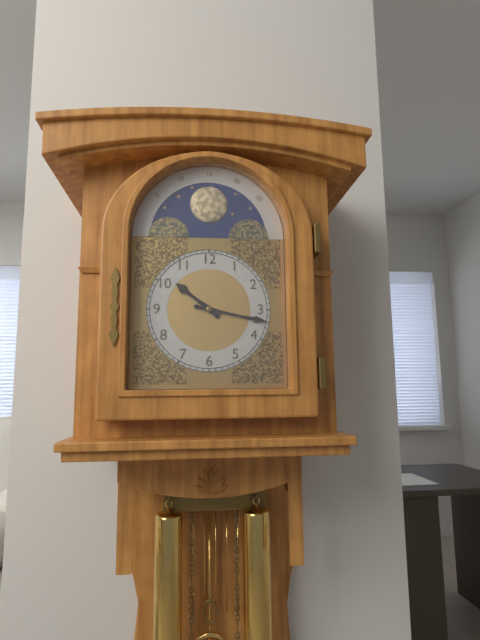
10:17
